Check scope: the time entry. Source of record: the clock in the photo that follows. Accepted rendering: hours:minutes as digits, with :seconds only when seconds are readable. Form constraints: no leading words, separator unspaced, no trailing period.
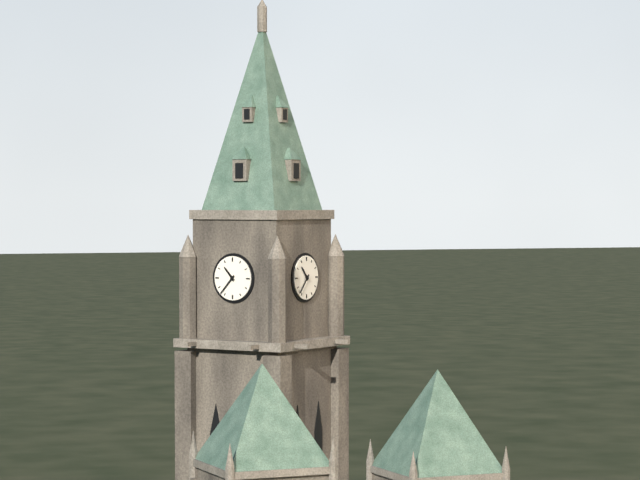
10:37
